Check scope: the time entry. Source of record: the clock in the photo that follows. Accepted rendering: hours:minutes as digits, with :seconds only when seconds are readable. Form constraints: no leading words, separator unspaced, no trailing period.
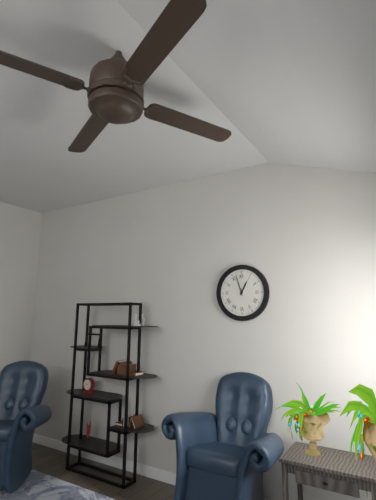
12:57
